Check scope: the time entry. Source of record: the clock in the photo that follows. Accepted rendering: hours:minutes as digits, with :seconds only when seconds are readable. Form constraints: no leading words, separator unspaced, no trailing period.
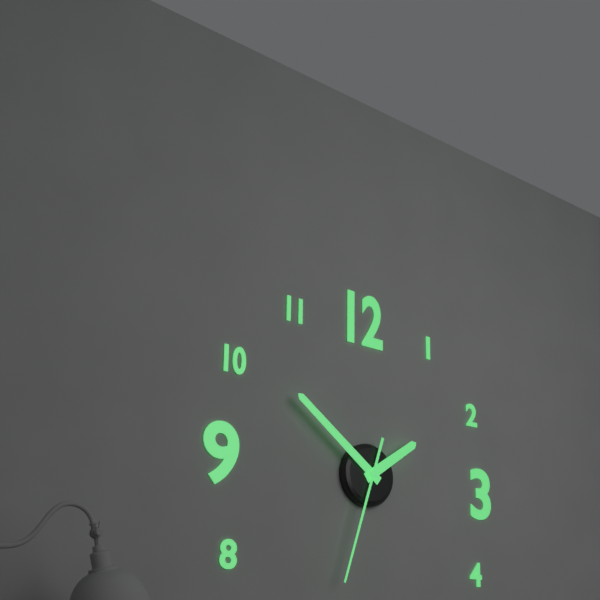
1:51:33
